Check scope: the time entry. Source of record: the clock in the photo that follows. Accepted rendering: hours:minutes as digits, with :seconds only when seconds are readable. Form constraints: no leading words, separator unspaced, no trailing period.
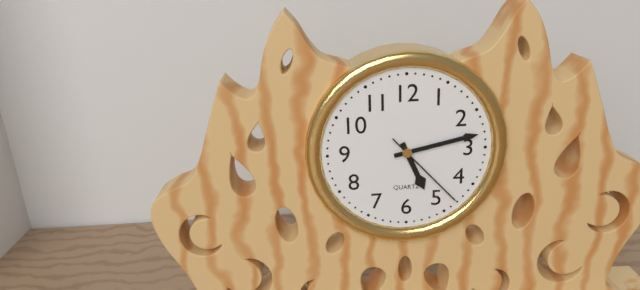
5:13:23
